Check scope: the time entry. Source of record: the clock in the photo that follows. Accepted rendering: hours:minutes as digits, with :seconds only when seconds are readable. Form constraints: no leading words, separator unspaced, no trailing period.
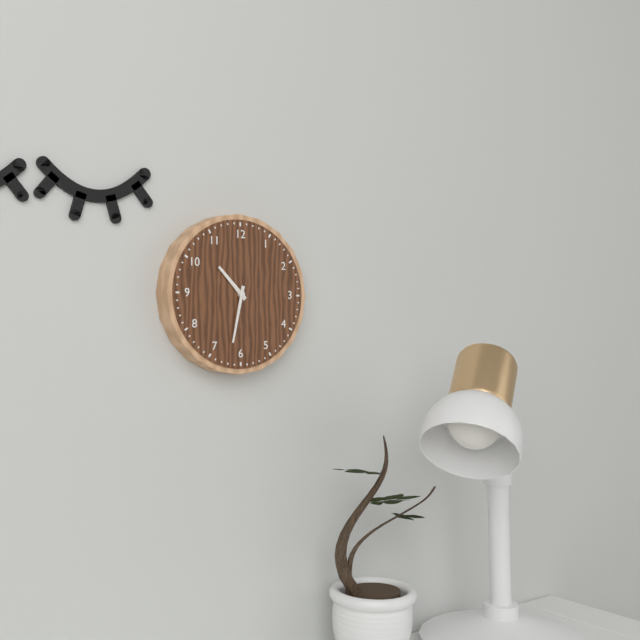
10:32
